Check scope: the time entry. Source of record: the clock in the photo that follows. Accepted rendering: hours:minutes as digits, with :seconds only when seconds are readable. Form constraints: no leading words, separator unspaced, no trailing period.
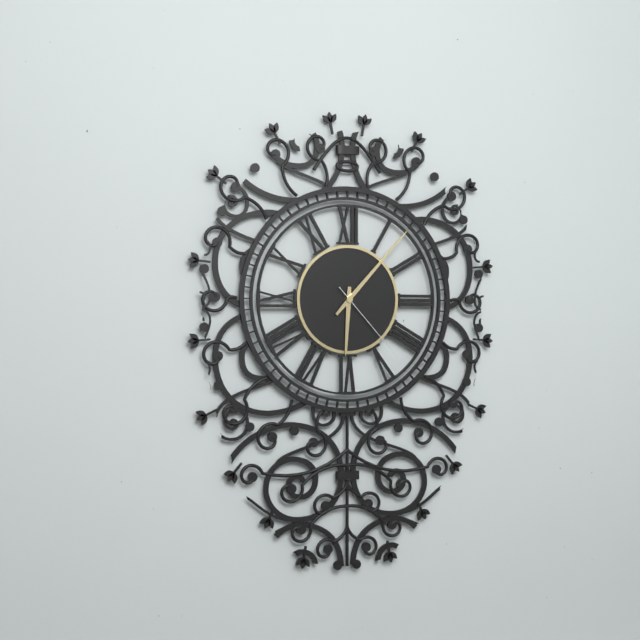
6:07:23
